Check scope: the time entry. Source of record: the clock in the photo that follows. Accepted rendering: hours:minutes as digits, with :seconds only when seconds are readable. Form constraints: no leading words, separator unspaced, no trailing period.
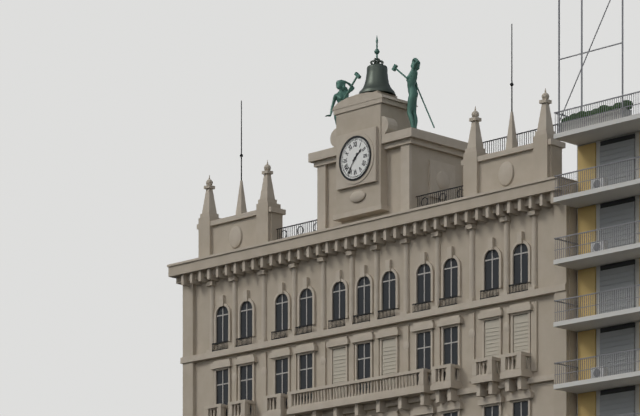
1:36
